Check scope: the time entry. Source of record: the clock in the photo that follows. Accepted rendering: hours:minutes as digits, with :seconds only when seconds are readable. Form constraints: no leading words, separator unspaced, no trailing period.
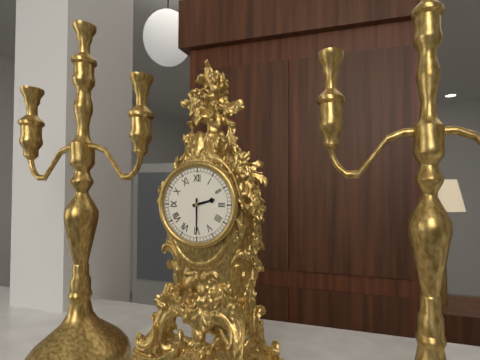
2:30
